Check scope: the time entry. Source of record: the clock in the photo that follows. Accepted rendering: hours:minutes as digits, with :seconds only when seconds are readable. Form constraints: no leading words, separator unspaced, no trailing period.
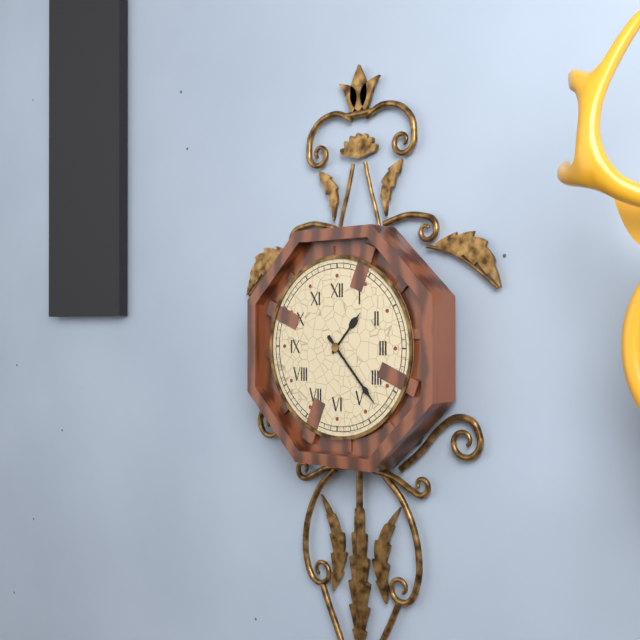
1:23
